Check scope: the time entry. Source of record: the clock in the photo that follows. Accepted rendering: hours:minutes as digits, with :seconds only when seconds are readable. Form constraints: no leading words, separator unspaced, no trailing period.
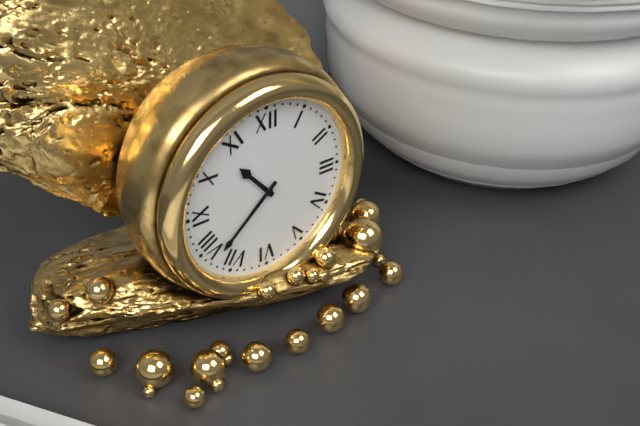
10:38
